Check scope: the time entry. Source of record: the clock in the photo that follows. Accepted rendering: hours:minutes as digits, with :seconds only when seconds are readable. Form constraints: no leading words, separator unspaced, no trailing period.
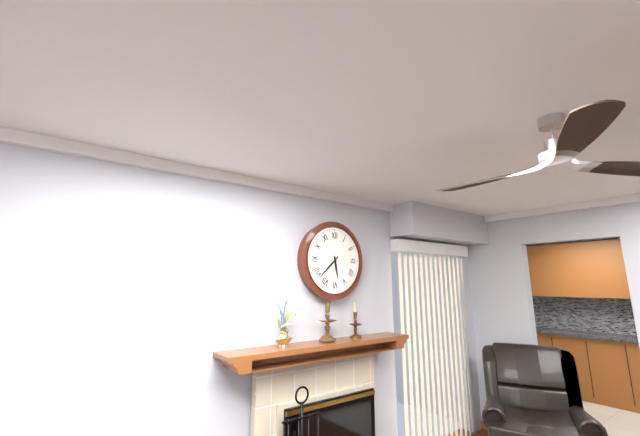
5:38
